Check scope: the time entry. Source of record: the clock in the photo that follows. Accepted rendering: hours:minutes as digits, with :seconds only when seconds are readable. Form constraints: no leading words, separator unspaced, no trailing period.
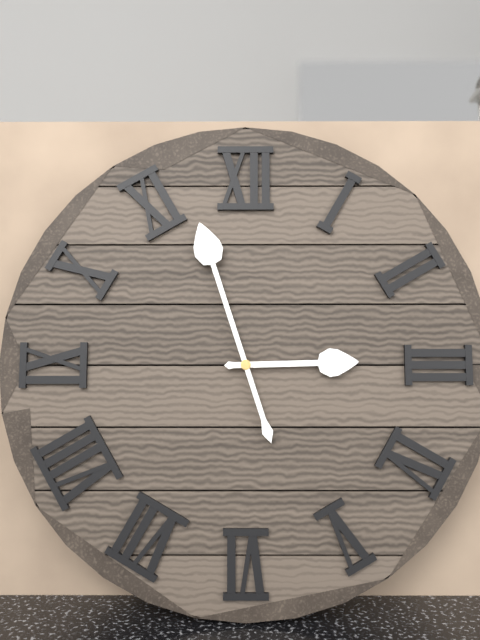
2:57
